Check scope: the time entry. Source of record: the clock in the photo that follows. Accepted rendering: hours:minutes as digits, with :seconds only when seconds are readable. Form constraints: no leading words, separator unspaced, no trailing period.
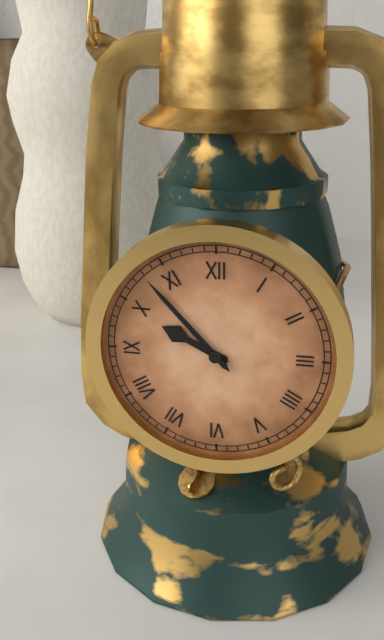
9:53
